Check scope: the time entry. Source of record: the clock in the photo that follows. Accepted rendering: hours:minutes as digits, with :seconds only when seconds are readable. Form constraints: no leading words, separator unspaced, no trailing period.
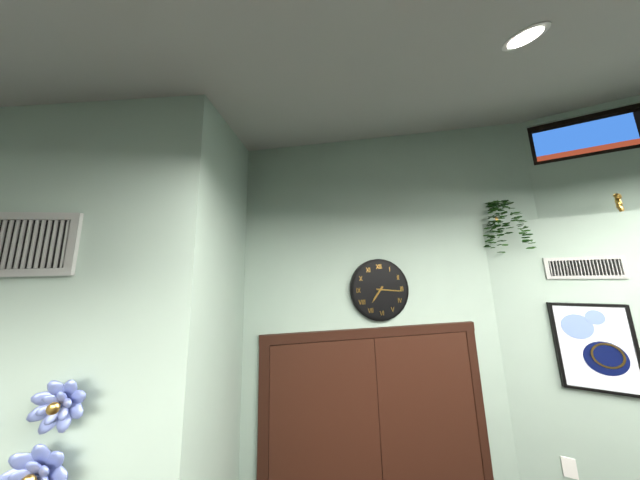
7:16
